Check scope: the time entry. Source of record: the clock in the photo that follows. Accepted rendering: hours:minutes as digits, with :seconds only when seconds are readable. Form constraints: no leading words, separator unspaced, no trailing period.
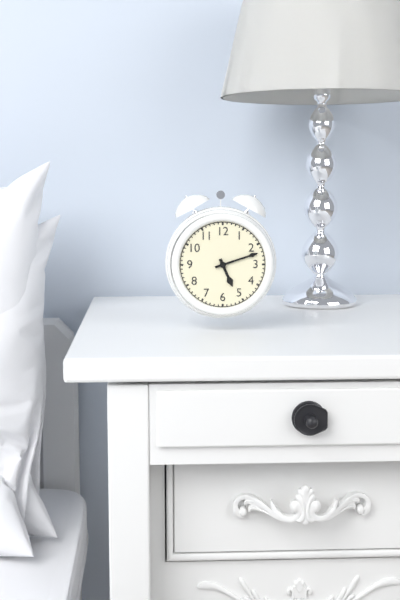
5:12
